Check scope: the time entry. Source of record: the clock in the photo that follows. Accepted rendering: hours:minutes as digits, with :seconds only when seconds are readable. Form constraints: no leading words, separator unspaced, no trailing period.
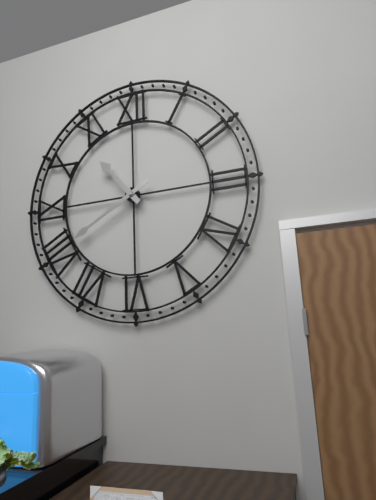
10:40
